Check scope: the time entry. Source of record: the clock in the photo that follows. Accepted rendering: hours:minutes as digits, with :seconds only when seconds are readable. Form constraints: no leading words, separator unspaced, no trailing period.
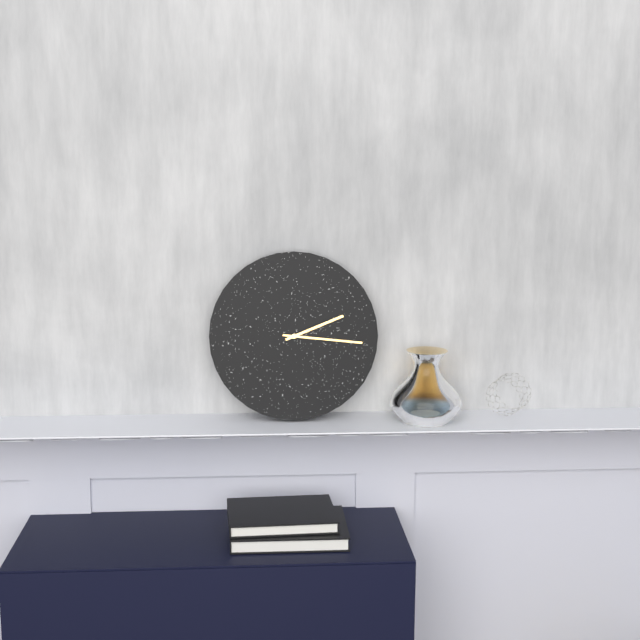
2:16
